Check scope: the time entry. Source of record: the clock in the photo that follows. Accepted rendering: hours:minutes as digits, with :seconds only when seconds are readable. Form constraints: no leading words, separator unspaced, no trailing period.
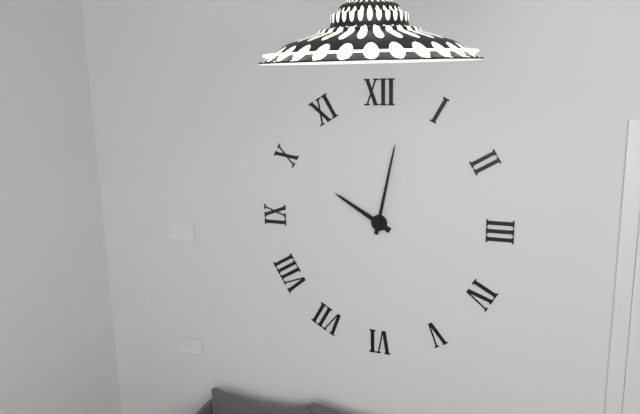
10:02
